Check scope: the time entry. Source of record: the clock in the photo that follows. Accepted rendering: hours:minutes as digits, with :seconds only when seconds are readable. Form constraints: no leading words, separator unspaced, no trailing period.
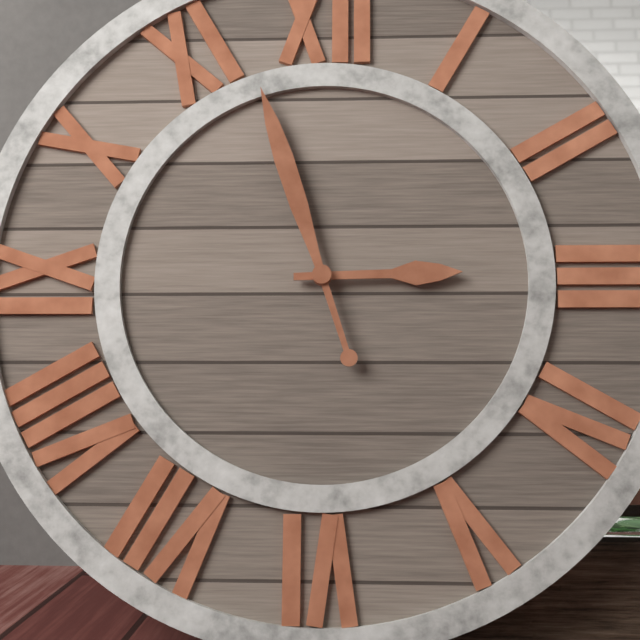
2:57
